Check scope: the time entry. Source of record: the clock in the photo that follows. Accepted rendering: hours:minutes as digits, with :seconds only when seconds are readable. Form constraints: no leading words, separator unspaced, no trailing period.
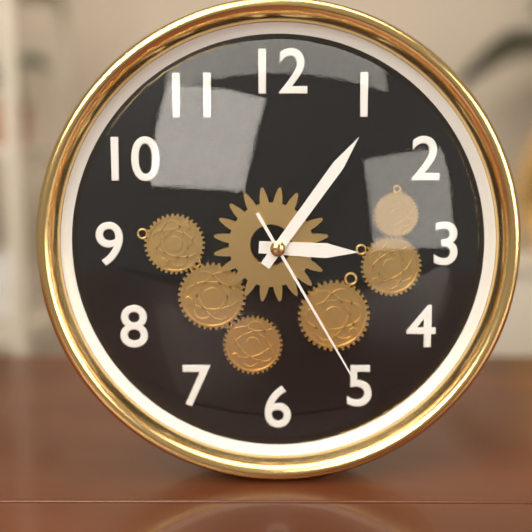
3:06:25
